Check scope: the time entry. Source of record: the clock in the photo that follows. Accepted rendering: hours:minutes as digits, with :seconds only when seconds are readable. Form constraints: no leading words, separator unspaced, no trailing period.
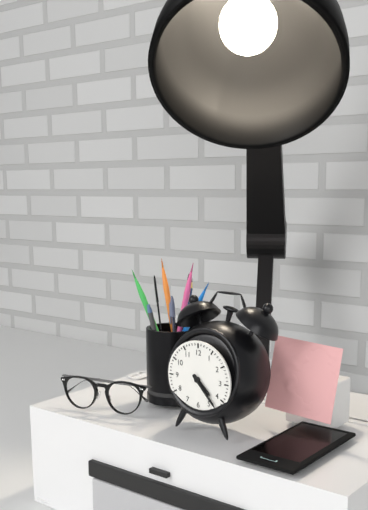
4:23
